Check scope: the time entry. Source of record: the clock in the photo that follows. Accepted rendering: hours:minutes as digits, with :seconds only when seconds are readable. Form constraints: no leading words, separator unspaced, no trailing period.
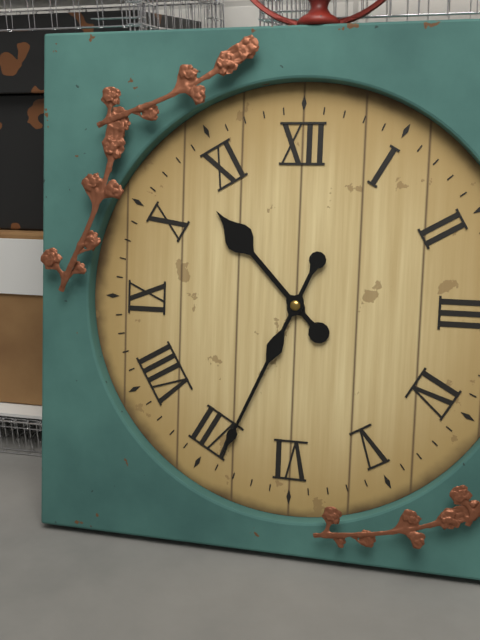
10:34
